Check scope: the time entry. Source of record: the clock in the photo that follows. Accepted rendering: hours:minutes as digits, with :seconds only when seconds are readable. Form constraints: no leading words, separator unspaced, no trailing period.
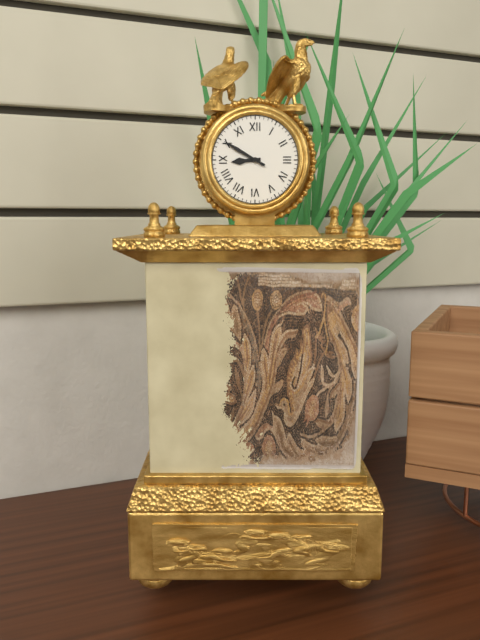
8:50
